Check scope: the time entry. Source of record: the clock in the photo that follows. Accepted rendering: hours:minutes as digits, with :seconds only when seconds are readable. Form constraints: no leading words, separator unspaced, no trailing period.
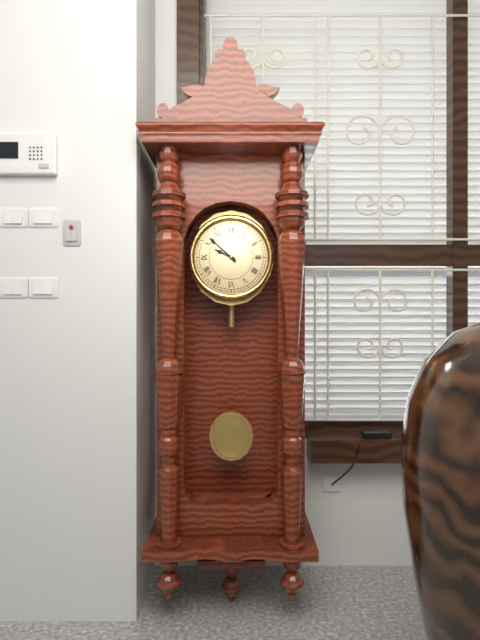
9:52
